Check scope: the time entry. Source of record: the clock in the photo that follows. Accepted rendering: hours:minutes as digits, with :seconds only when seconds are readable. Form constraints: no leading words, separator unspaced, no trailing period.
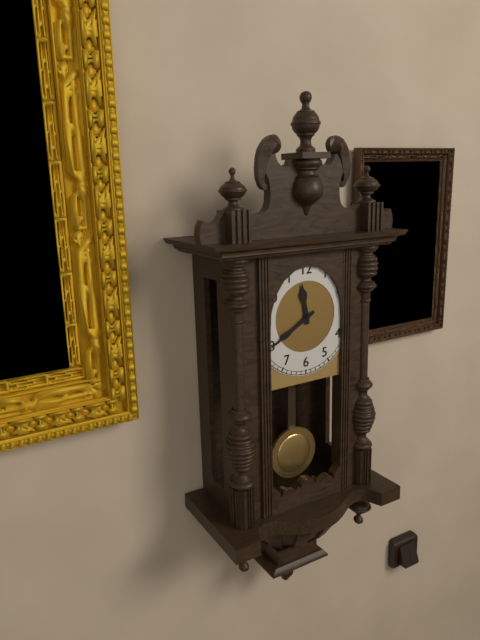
11:40
